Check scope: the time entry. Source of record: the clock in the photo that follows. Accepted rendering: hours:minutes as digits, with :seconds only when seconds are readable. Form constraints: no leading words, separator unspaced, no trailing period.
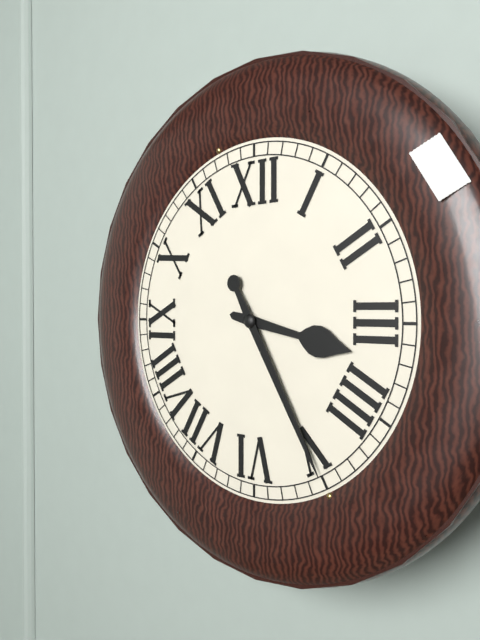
3:25
